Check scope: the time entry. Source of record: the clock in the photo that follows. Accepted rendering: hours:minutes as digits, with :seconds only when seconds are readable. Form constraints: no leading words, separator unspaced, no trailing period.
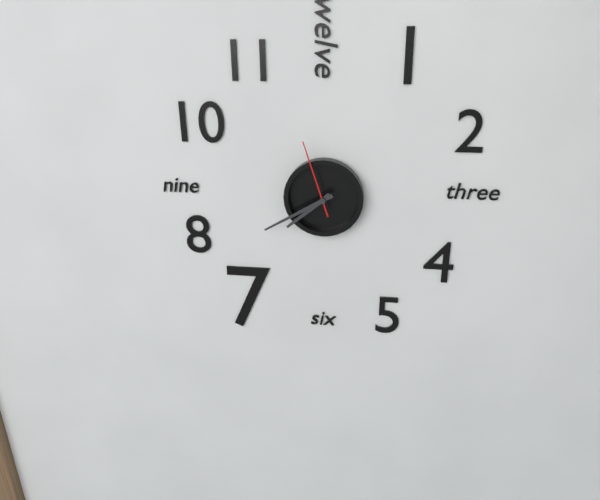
7:40:57
